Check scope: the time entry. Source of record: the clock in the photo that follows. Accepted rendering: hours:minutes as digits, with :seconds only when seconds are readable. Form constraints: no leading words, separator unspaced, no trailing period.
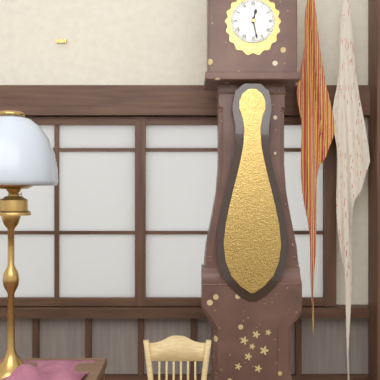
12:28
